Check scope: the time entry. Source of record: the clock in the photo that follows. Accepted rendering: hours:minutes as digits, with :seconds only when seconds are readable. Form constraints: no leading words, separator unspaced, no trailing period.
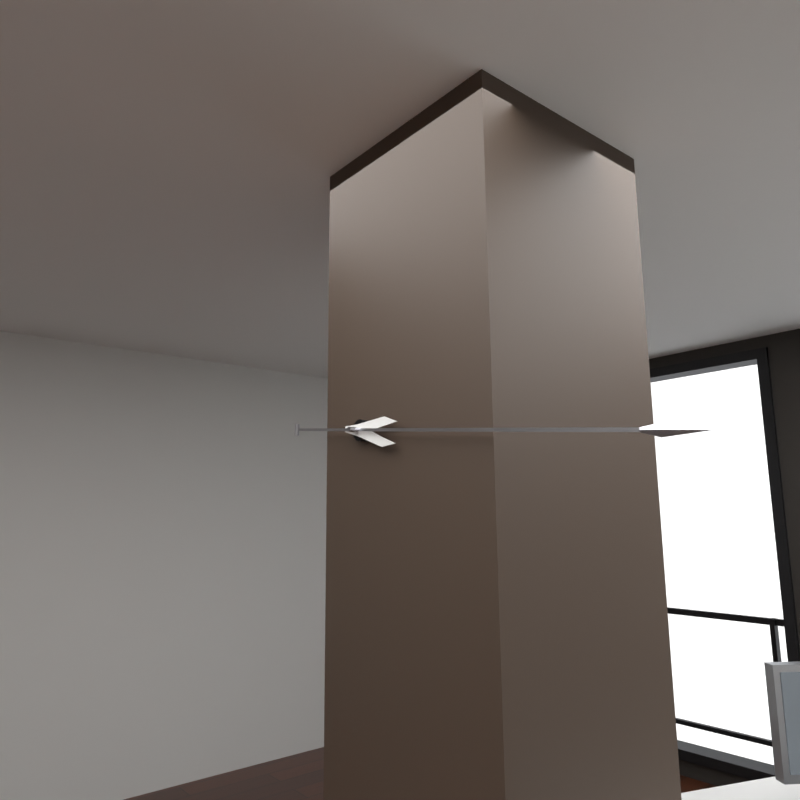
3:16
